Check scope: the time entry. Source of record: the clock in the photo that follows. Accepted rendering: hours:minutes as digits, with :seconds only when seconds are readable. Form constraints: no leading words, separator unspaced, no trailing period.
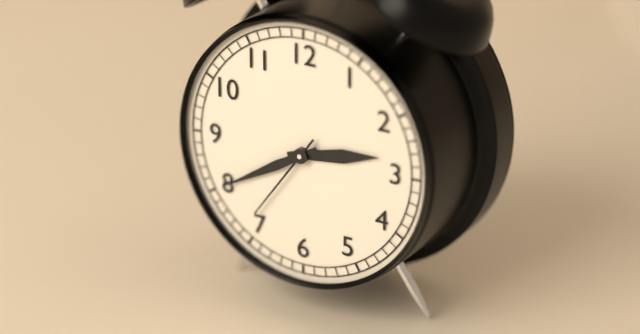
2:40:36
